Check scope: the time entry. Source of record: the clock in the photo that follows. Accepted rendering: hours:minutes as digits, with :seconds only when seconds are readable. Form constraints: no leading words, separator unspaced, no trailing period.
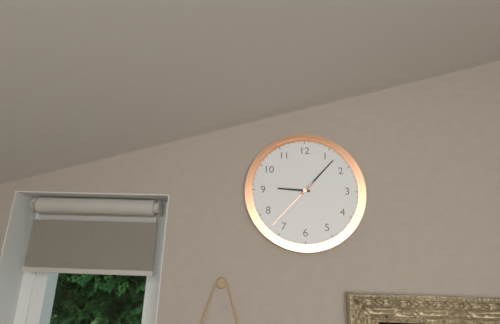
9:07:37
